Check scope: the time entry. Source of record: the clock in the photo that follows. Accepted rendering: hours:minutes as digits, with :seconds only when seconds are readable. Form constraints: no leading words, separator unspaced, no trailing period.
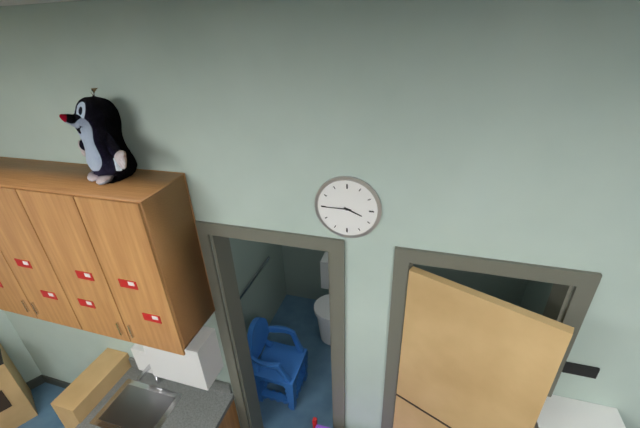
3:45
